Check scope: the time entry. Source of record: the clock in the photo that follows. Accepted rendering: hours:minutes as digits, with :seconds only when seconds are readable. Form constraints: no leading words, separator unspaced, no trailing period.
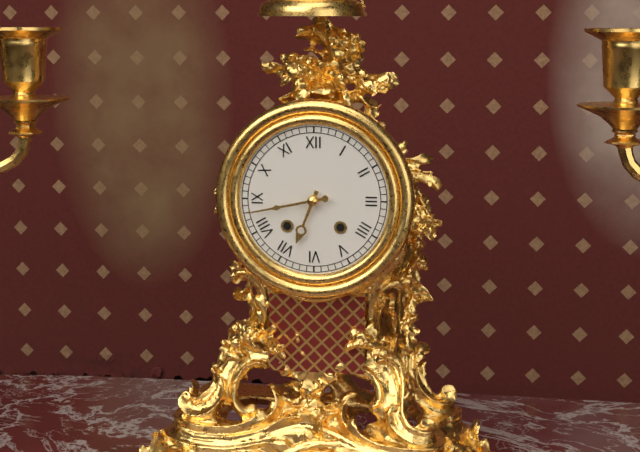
6:43
